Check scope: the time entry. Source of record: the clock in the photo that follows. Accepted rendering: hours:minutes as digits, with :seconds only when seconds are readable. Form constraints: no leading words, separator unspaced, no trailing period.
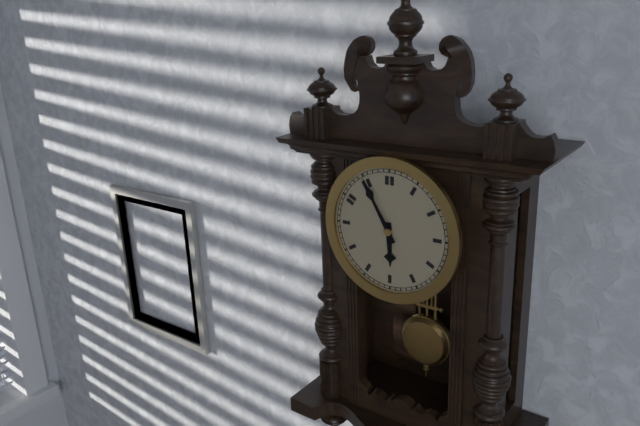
5:55
